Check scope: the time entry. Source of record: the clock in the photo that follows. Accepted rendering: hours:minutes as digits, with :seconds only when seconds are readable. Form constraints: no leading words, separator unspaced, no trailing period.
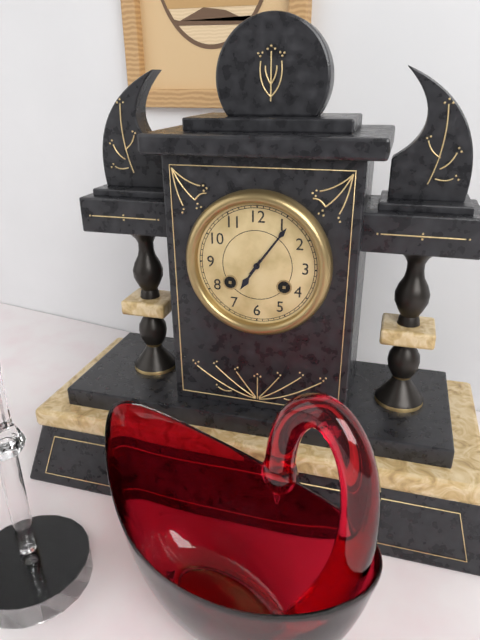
7:06
